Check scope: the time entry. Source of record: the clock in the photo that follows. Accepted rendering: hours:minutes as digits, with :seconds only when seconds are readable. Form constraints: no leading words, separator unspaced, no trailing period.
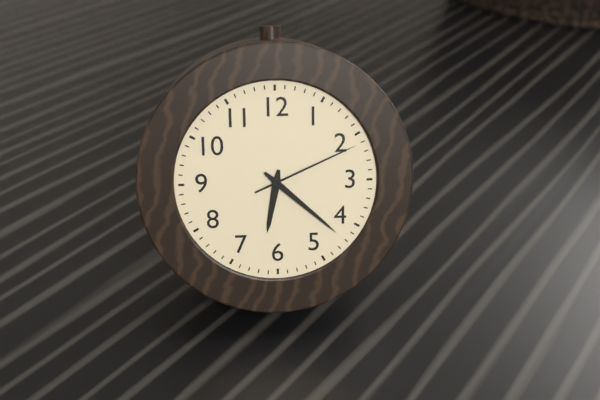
6:22:11
